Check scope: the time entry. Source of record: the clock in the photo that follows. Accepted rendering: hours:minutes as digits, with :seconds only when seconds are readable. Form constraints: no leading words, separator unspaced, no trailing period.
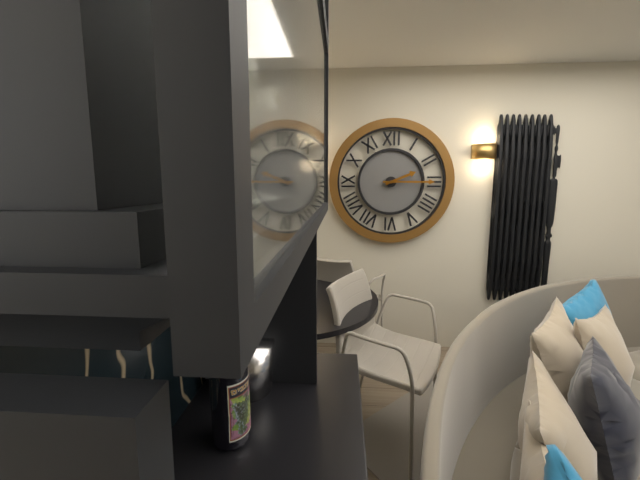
2:15
